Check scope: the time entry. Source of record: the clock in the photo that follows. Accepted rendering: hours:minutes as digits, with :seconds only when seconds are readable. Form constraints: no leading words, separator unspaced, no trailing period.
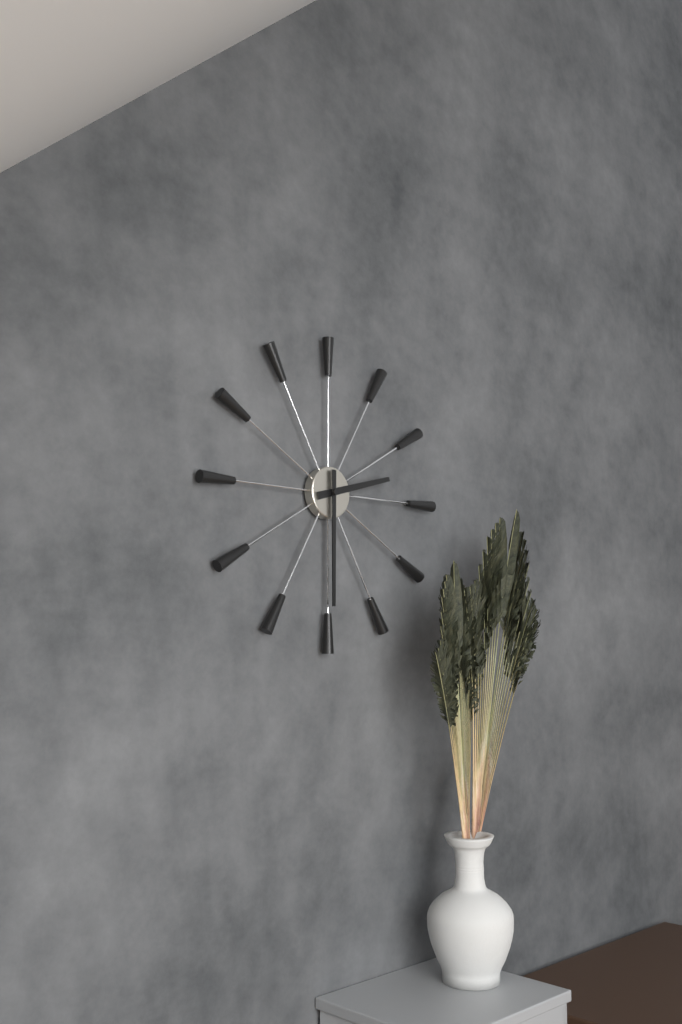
2:30
